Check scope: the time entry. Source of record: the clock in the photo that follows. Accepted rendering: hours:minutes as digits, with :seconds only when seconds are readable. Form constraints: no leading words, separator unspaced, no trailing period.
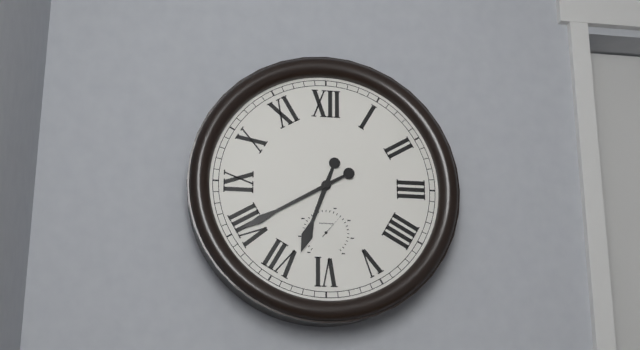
6:40
